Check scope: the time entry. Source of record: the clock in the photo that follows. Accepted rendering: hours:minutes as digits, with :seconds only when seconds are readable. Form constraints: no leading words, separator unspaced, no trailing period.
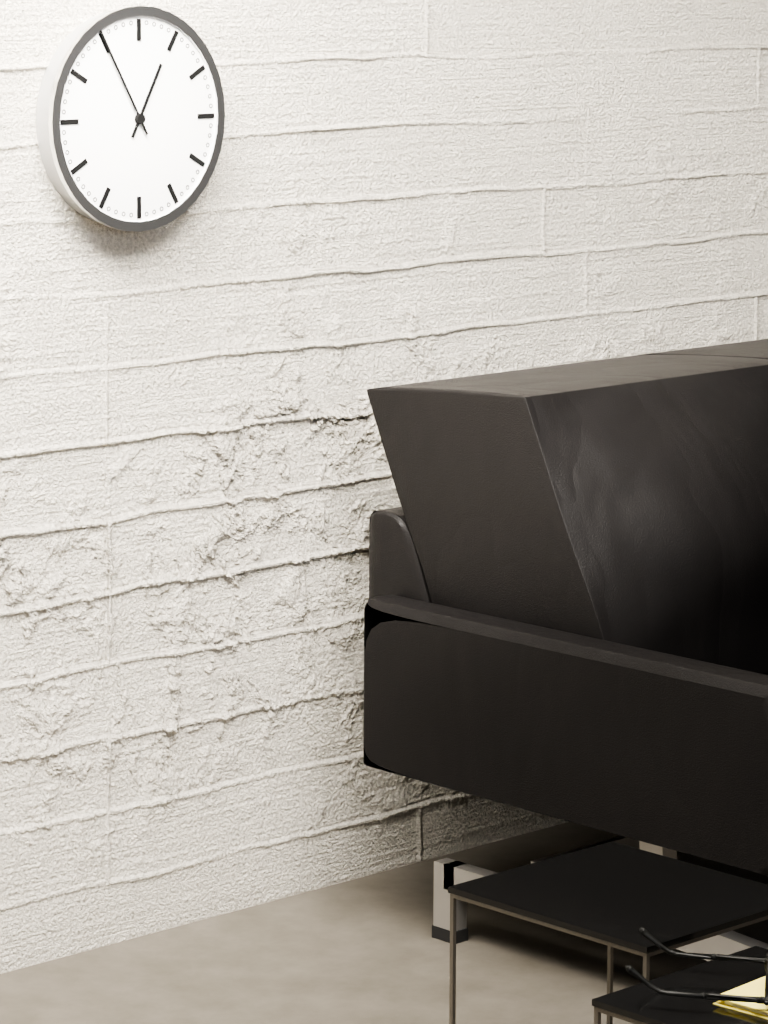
12:55
